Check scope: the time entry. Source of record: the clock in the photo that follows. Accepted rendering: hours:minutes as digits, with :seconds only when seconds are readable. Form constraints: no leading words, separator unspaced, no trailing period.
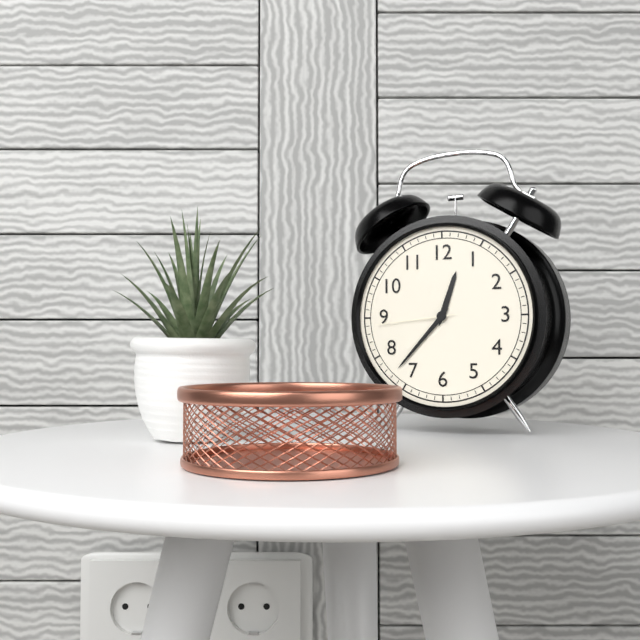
12:37:44
